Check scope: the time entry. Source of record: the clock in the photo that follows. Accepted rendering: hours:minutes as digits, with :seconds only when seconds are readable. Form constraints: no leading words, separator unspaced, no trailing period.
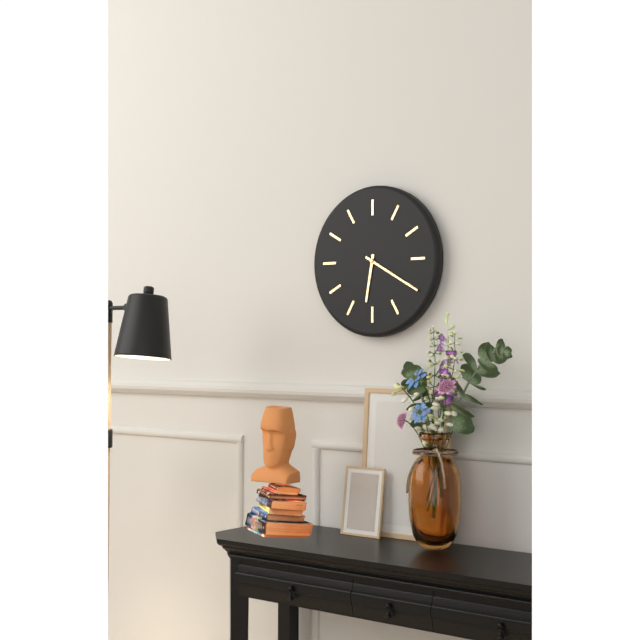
6:20
